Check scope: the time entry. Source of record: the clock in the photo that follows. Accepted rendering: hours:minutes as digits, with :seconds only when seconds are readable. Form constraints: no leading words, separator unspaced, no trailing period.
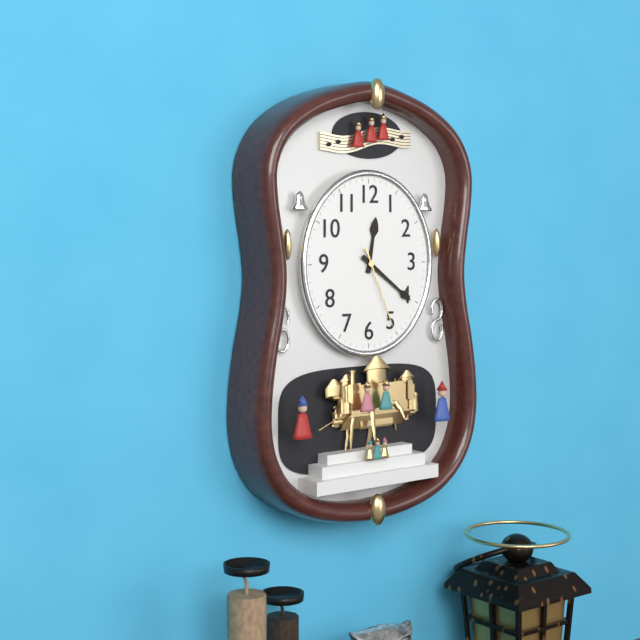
12:21:26
